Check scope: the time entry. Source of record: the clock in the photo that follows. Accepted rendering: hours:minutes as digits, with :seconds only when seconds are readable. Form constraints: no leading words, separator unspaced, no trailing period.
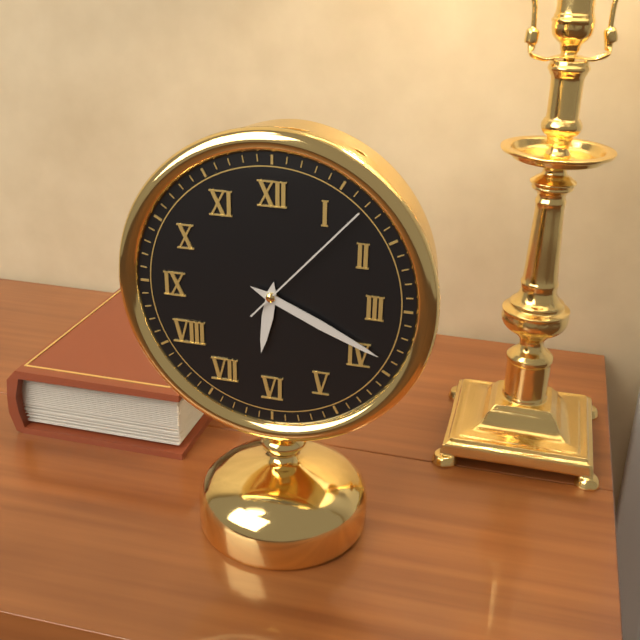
6:19:07
